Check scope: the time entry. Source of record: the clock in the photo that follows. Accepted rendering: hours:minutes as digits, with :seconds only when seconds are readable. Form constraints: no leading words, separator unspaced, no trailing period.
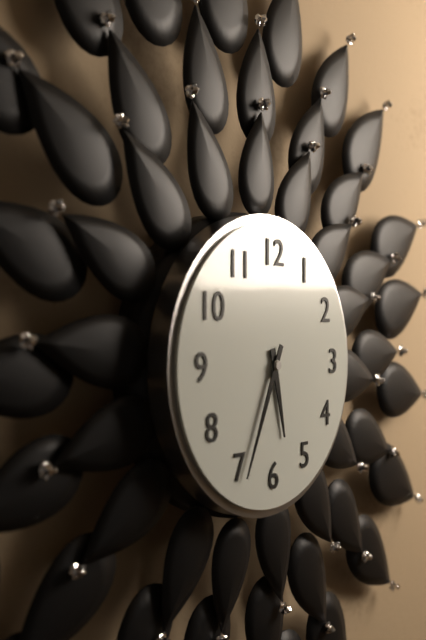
5:34
